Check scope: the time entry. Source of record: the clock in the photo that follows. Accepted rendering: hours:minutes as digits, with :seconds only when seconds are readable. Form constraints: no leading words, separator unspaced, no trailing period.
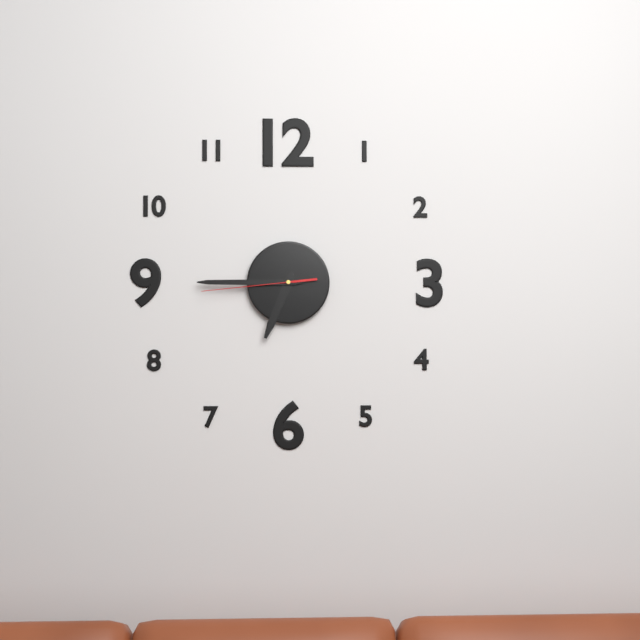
6:45:44
